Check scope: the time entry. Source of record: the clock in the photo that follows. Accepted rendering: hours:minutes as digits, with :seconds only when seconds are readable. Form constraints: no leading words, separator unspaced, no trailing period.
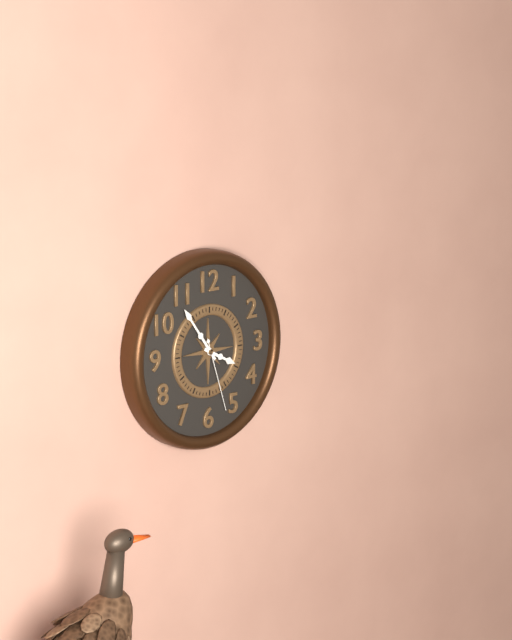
3:54:27
